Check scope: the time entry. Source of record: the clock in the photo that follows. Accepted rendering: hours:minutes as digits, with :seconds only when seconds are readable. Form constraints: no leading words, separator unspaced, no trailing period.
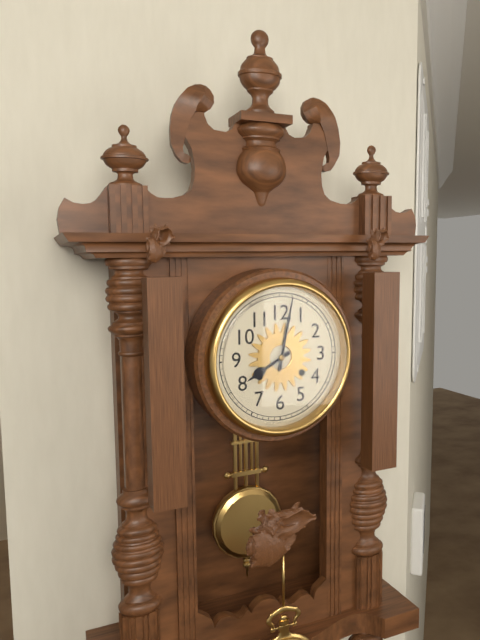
8:02
